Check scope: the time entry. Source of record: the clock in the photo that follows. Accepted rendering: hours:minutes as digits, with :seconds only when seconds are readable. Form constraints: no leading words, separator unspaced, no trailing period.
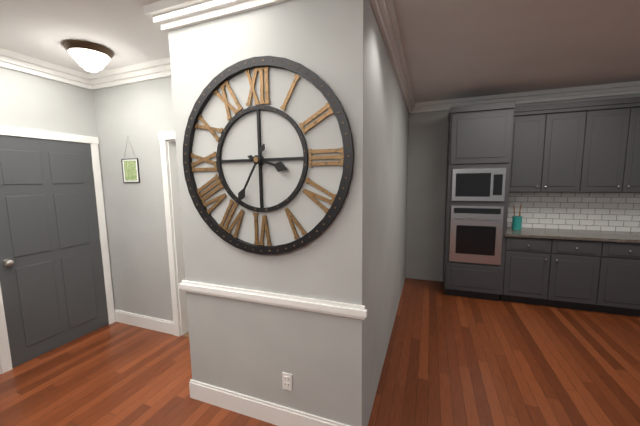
3:35
